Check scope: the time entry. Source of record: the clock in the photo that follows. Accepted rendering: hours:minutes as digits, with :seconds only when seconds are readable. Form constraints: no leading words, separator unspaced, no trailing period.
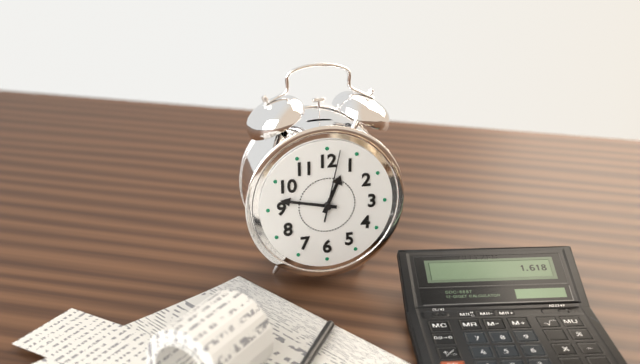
12:47:02
